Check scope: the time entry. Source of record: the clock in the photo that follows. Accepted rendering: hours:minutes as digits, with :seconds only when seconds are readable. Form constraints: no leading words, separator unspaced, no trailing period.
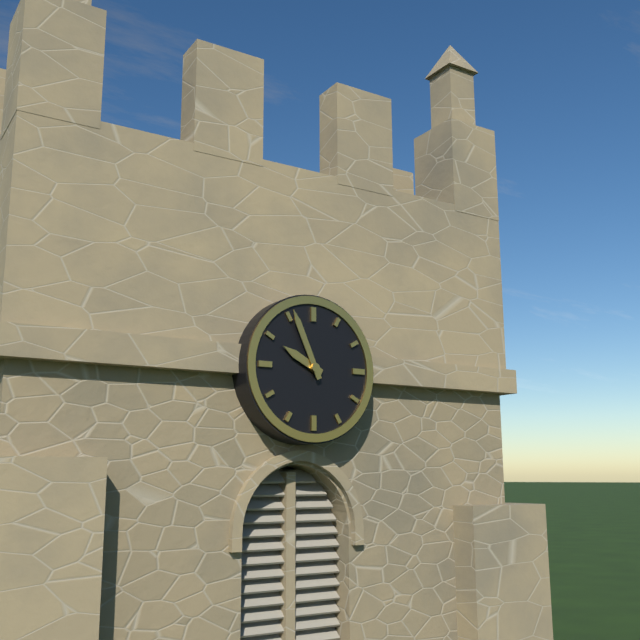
9:56
